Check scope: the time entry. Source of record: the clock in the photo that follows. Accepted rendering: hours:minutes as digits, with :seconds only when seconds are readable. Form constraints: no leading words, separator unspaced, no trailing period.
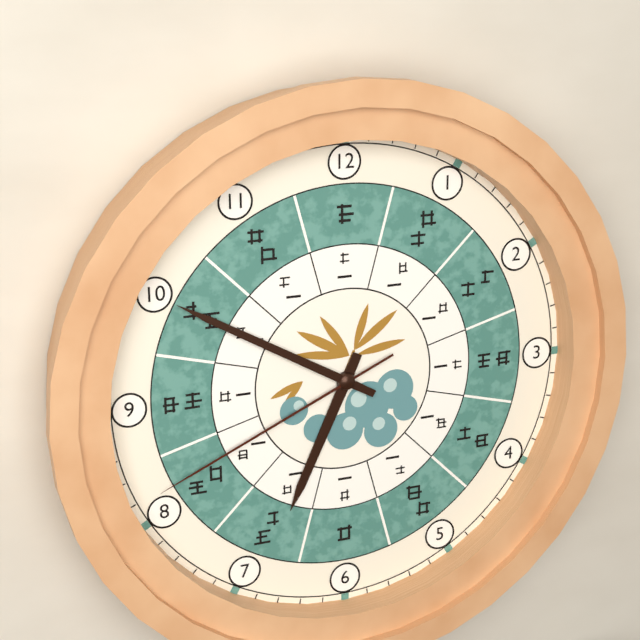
6:50:41
